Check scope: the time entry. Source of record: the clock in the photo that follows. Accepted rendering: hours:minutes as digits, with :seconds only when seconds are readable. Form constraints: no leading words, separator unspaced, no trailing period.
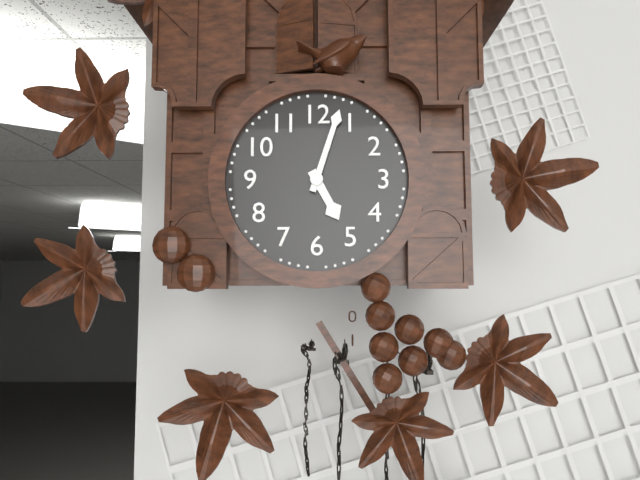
5:03
